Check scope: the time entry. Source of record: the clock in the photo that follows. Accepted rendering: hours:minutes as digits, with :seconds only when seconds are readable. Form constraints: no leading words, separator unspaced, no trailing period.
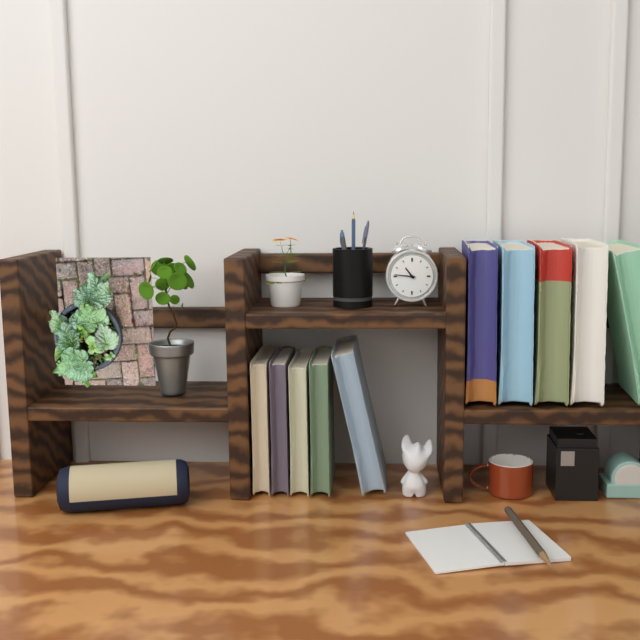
10:46
